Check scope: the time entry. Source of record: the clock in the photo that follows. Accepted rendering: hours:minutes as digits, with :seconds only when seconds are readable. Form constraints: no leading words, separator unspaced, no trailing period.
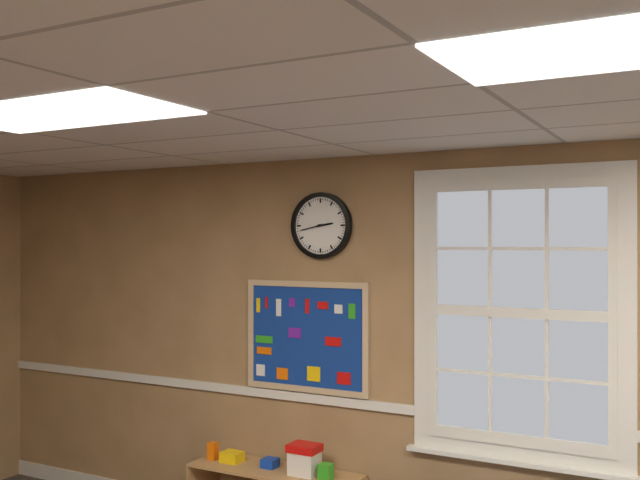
2:43
